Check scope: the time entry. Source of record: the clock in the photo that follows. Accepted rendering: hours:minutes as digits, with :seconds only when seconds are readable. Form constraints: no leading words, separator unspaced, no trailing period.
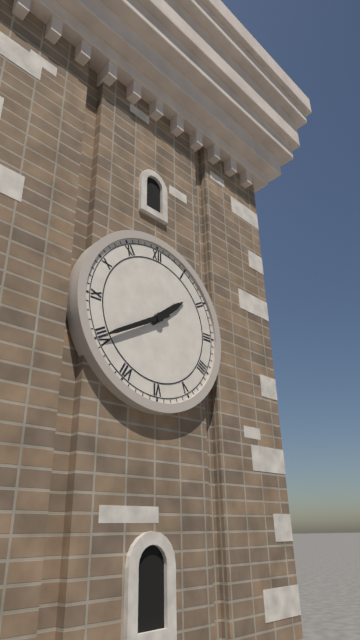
1:40
